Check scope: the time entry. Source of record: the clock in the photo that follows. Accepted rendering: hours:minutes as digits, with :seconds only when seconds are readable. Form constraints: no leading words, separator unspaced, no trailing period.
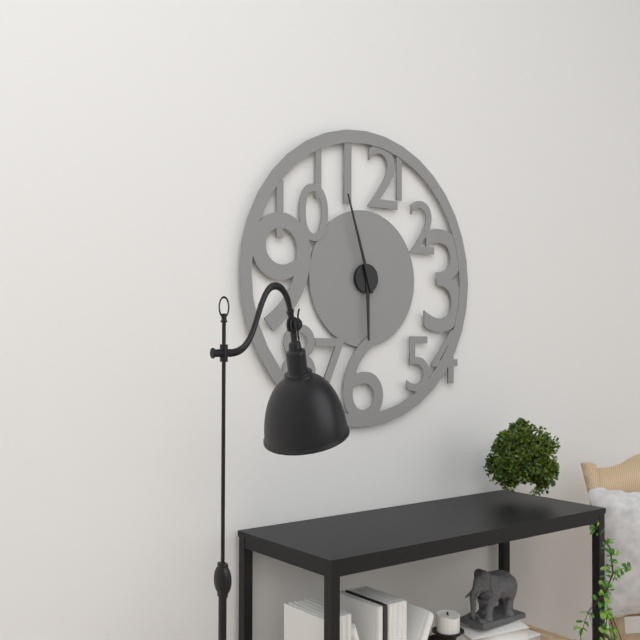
5:57
